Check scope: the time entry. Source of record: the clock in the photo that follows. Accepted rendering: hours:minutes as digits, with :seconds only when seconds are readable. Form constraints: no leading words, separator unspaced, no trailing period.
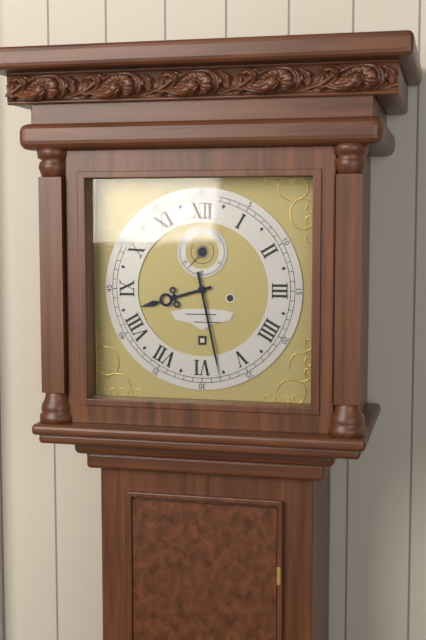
8:28
